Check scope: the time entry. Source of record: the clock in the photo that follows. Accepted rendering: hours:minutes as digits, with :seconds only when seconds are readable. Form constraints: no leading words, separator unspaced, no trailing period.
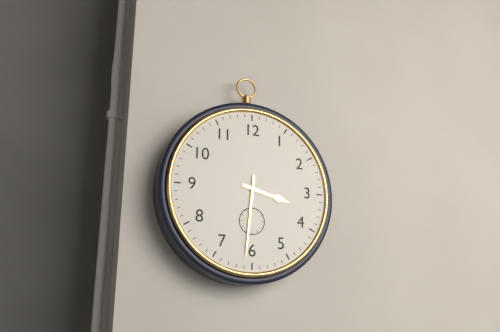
3:31
